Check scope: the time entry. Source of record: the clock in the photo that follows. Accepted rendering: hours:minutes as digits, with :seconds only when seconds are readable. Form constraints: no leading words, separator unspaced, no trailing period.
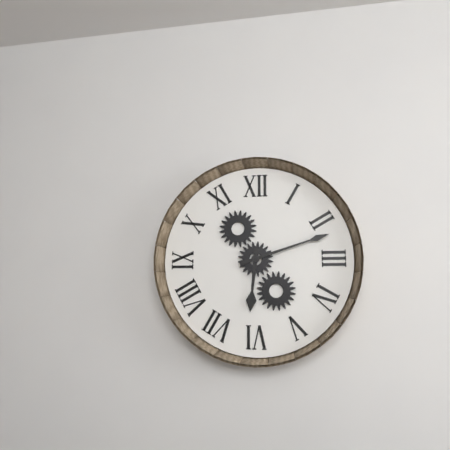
6:12
